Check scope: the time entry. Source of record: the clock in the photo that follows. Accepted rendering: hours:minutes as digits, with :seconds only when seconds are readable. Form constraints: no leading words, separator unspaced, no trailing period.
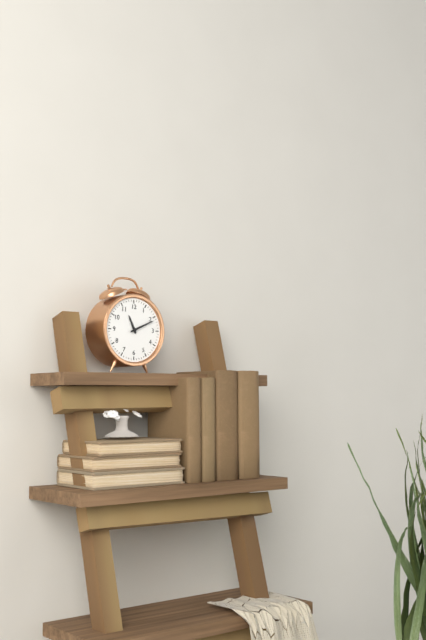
11:11
